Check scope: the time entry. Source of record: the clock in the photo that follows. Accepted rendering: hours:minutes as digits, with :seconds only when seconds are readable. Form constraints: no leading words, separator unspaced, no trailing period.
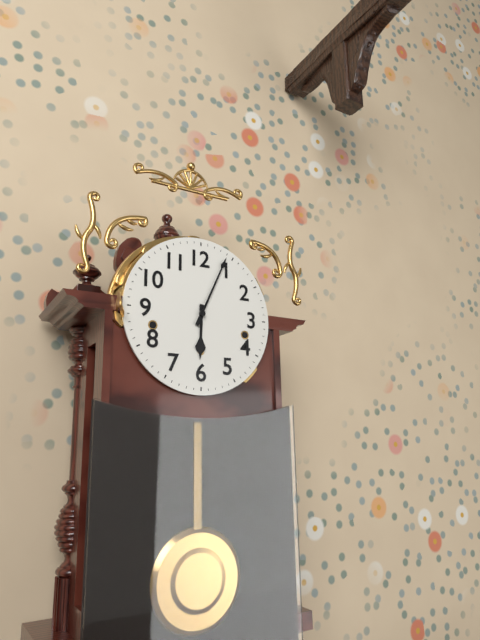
6:04
